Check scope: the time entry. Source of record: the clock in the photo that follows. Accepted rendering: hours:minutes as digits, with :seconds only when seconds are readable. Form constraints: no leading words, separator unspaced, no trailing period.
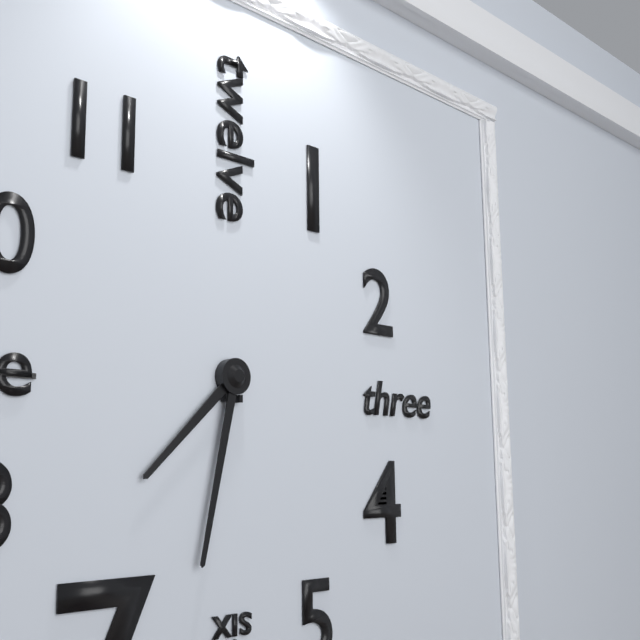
7:32
